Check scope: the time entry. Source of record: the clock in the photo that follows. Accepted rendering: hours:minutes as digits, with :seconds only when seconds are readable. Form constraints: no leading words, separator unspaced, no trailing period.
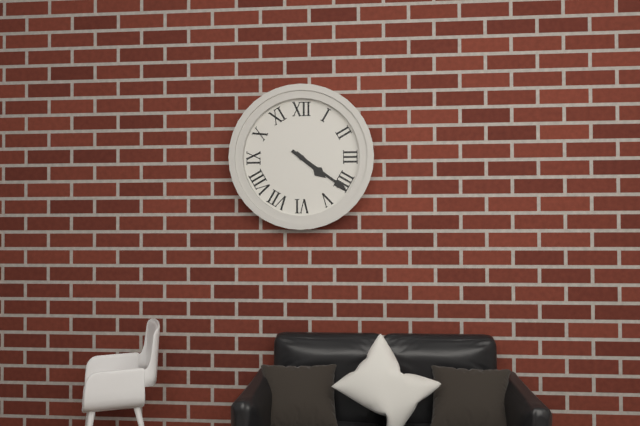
4:21
